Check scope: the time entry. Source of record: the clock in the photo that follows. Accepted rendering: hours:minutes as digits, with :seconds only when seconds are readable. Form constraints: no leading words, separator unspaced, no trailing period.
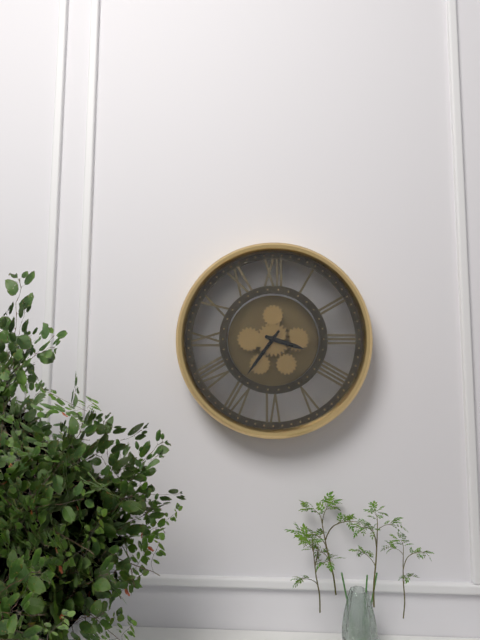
3:36
